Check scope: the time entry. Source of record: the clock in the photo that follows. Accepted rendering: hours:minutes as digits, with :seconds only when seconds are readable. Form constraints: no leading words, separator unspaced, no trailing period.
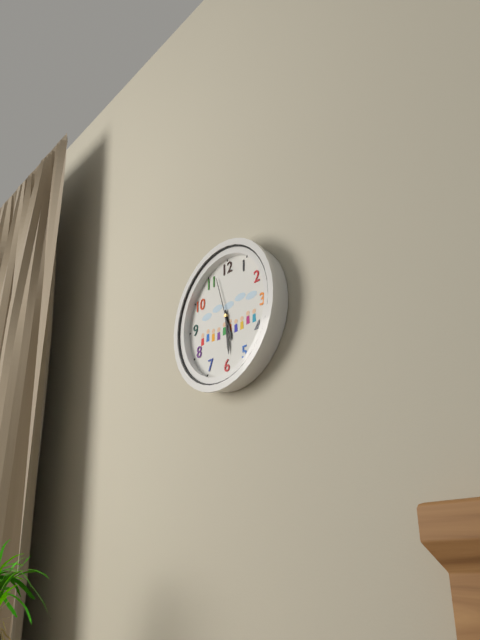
5:29
